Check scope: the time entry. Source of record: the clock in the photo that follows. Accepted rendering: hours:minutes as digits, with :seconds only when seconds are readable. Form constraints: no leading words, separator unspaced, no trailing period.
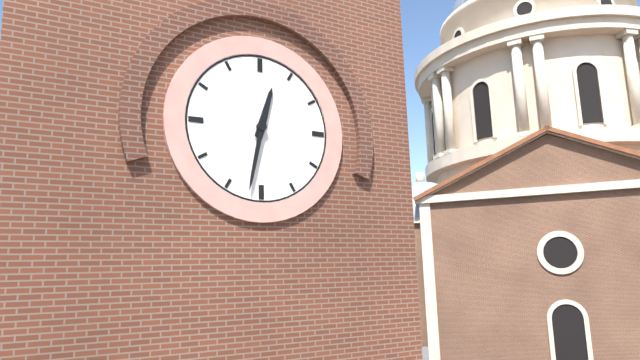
12:32
